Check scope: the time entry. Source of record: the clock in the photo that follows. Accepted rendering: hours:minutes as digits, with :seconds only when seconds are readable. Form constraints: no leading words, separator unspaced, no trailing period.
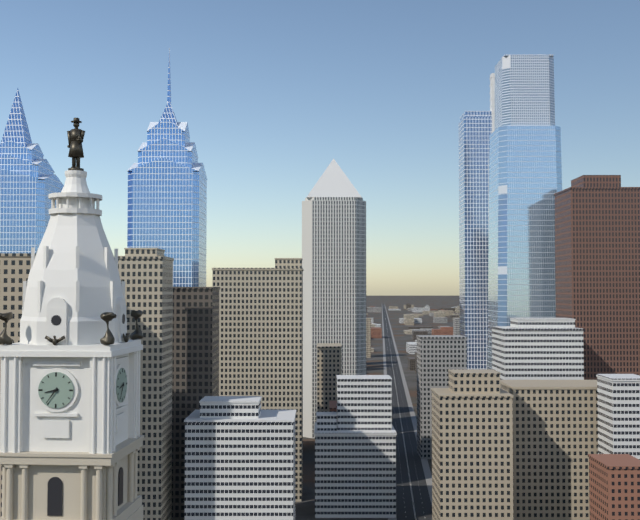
8:36
